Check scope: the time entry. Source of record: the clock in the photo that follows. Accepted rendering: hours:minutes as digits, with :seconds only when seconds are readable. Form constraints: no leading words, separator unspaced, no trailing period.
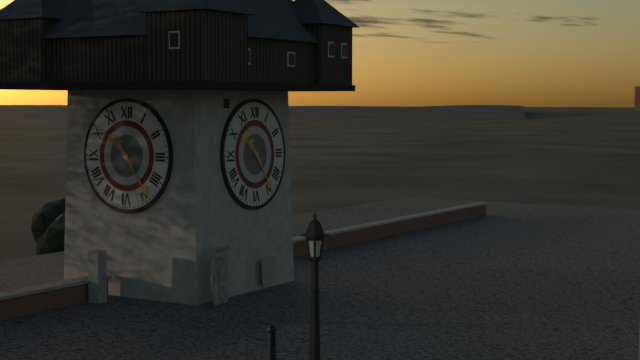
10:24
